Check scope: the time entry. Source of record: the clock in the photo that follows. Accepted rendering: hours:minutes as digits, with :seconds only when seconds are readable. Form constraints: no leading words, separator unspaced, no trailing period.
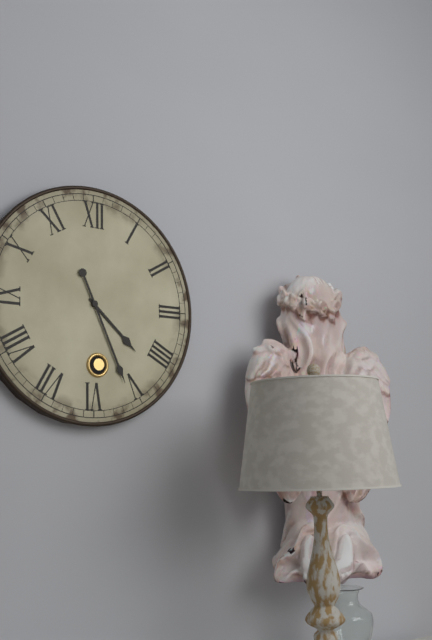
4:26
